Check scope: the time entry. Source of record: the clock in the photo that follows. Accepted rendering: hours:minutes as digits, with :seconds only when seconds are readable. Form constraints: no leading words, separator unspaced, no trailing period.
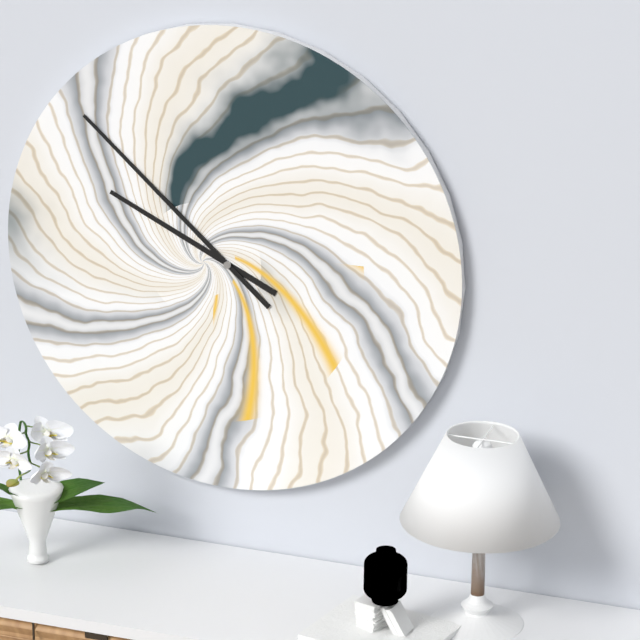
9:52
